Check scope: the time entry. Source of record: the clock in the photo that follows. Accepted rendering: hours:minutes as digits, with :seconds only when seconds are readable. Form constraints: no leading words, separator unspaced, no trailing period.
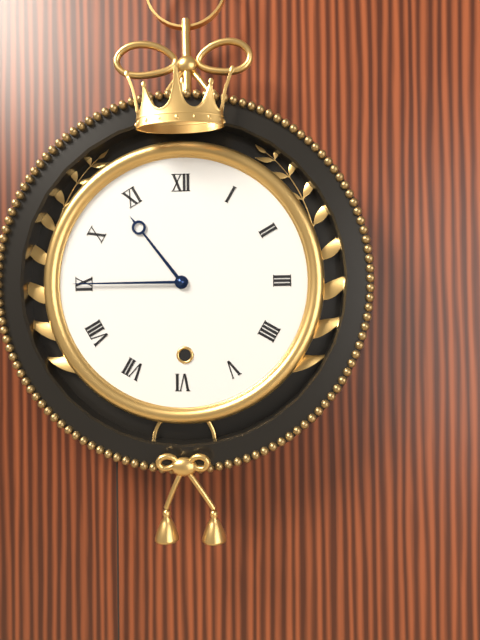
10:45
